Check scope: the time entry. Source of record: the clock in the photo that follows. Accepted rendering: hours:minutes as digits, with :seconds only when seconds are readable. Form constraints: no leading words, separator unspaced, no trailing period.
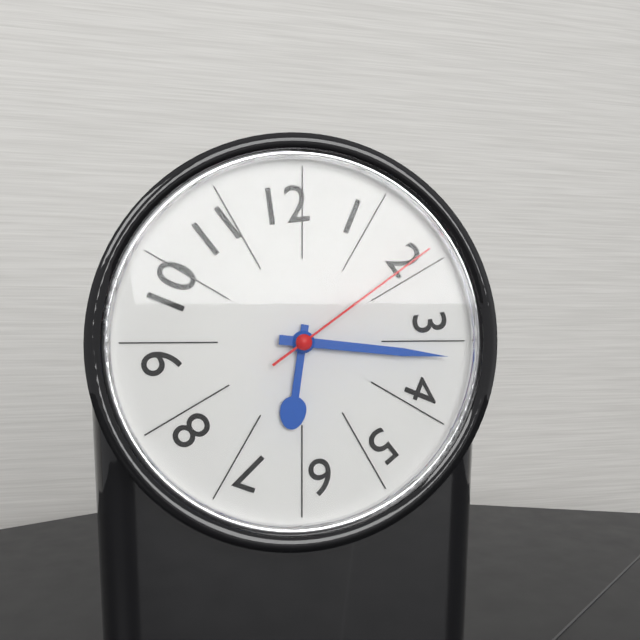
6:16:09
